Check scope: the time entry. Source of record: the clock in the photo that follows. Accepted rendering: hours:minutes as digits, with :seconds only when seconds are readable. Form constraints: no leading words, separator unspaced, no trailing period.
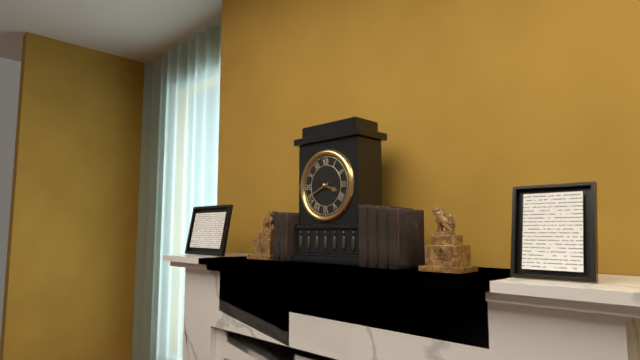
3:41
